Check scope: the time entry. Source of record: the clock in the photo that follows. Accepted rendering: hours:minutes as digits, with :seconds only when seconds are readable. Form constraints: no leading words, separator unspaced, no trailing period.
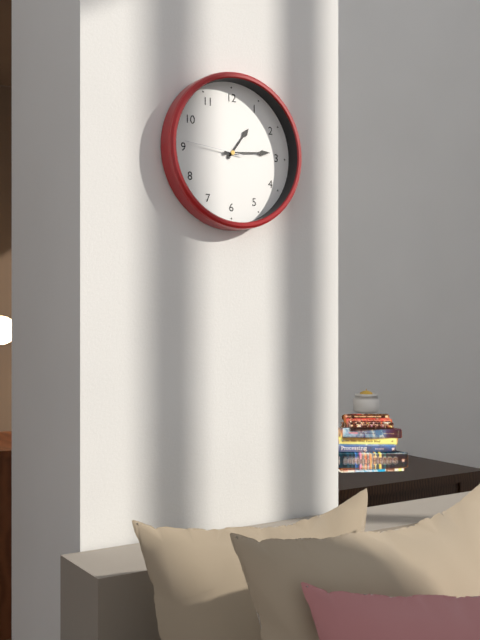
1:14:46
